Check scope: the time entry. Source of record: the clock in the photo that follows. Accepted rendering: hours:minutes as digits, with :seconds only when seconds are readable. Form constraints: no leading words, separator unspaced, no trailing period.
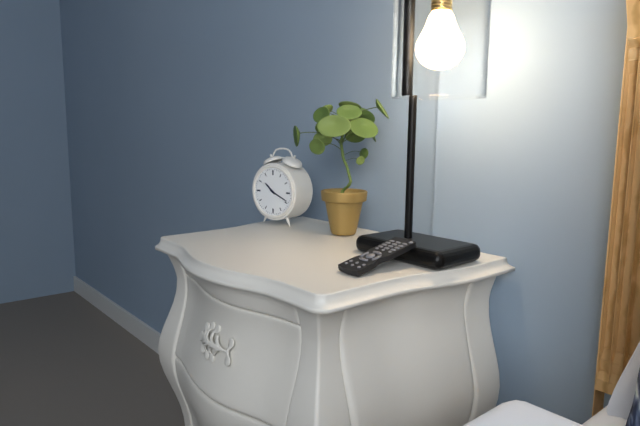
10:19
